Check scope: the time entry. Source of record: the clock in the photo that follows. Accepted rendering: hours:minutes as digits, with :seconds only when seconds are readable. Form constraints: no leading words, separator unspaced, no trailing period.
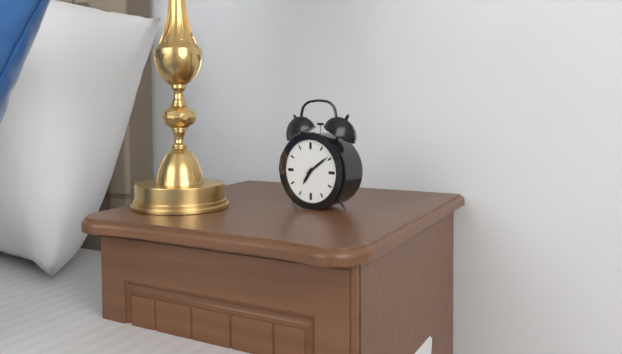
7:09
